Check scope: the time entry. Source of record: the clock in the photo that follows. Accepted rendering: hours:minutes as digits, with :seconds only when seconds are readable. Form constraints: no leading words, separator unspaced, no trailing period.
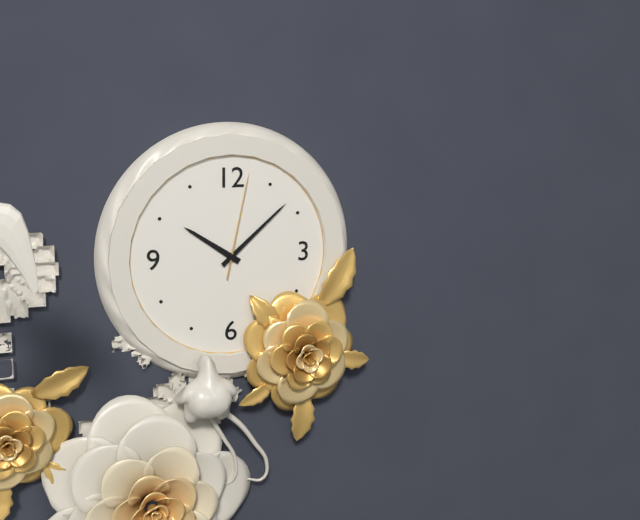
10:08:02
